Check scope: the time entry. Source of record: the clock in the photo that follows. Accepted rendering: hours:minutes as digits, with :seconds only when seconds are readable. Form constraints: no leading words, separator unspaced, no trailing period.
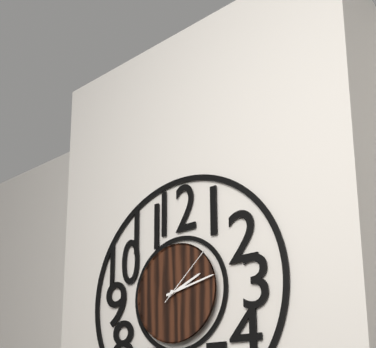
2:13:08
